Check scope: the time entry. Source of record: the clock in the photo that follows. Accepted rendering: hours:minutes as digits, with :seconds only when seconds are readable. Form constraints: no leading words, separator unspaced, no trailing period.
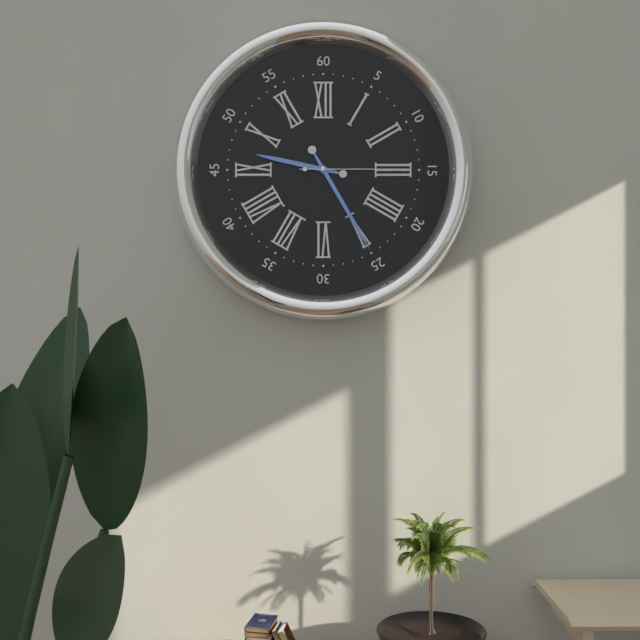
9:25:15
